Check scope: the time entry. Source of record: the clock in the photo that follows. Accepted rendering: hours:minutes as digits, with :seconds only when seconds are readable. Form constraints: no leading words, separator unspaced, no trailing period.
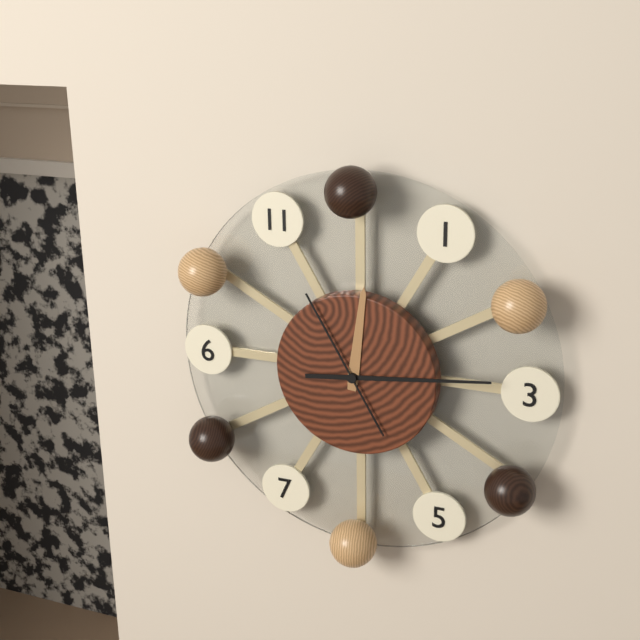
12:14:55
